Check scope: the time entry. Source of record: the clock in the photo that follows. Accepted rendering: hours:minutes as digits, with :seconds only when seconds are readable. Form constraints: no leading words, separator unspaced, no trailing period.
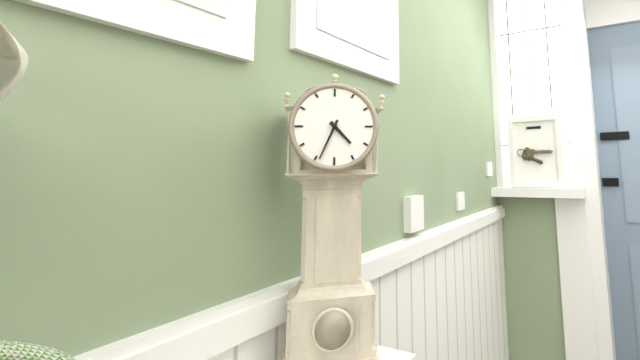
4:34
